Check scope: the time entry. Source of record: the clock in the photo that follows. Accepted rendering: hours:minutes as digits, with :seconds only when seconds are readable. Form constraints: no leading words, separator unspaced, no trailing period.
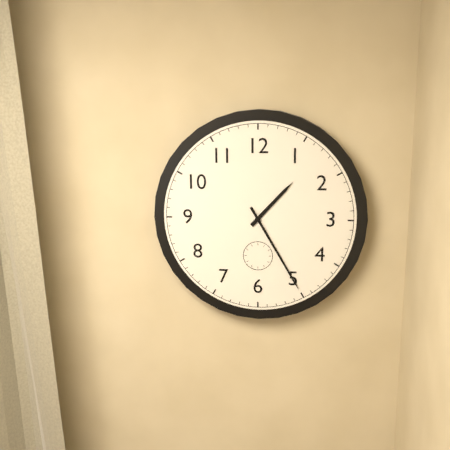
1:25
